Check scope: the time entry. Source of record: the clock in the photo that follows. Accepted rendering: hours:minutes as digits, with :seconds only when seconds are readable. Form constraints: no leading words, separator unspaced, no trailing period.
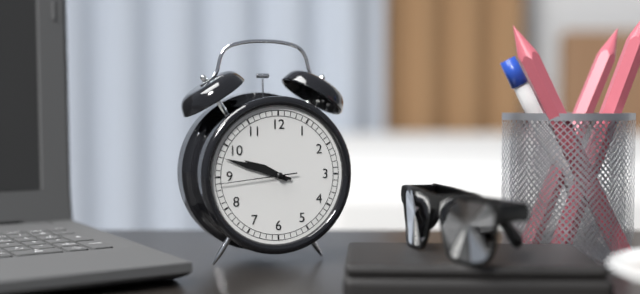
9:48:44
